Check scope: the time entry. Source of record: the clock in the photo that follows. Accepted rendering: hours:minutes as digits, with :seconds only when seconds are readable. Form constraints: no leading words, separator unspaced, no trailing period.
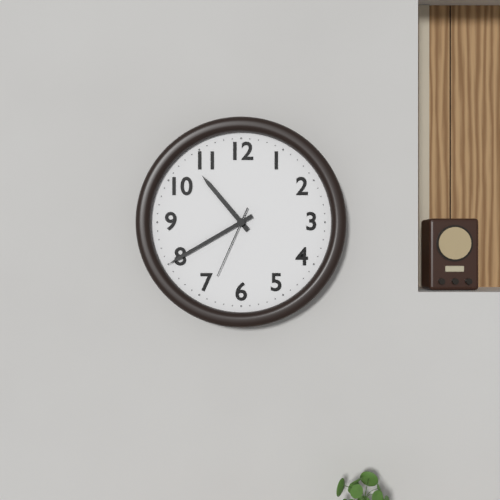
10:40:34
